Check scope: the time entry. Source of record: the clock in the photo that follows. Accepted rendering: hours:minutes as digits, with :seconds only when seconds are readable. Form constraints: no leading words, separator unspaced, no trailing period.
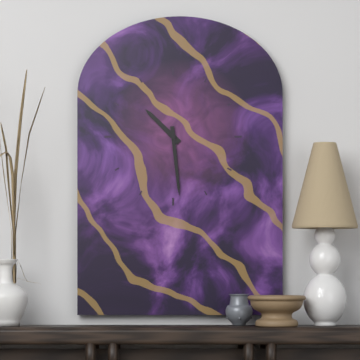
10:29
